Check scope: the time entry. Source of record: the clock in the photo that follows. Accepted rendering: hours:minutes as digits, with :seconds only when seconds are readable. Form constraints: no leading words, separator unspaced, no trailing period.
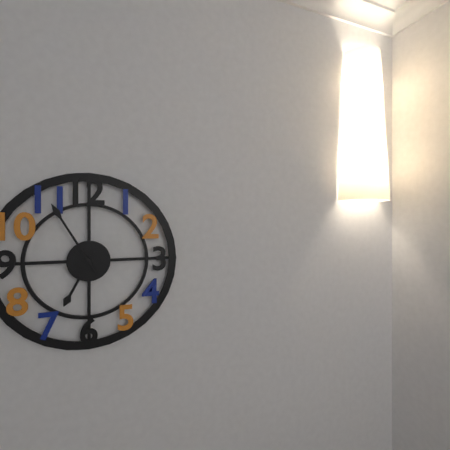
6:55
